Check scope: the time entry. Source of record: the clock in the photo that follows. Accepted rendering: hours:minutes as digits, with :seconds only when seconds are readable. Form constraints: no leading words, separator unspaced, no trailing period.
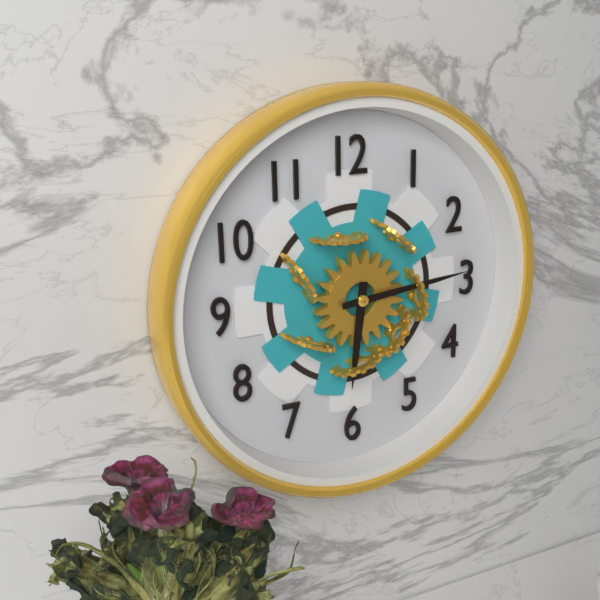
6:14
